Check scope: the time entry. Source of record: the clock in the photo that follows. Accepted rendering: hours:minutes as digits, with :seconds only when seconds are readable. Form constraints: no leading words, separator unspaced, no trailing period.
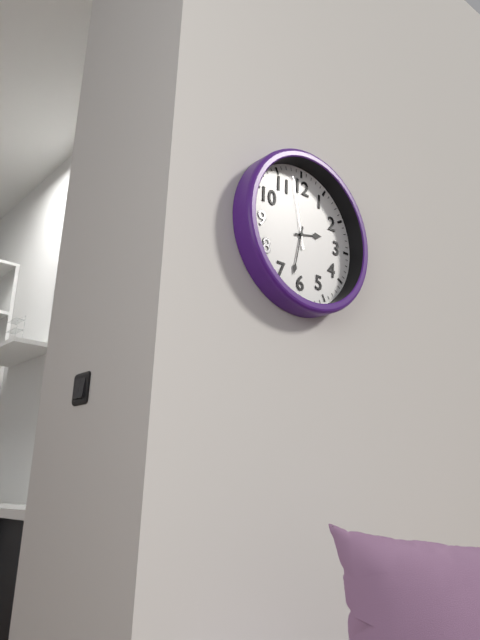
2:32:58
